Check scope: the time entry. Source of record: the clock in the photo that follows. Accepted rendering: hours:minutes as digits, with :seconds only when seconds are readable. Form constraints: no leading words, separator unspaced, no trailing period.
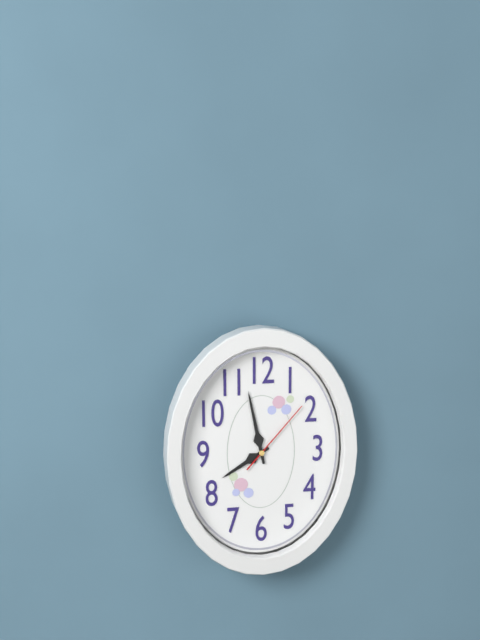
7:58:07
